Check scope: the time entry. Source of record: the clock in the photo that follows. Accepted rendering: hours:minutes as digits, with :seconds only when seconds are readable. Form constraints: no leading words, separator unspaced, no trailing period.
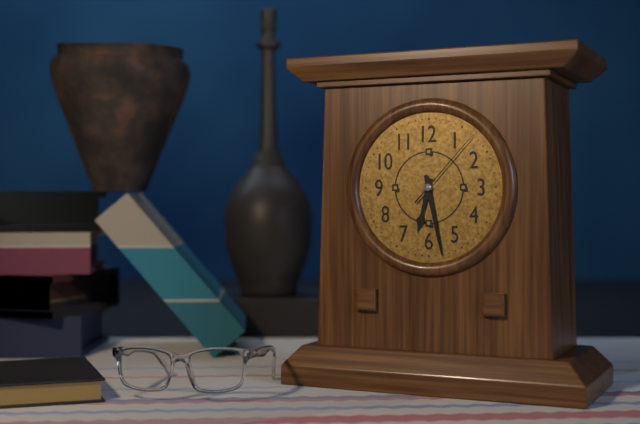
6:28:07
